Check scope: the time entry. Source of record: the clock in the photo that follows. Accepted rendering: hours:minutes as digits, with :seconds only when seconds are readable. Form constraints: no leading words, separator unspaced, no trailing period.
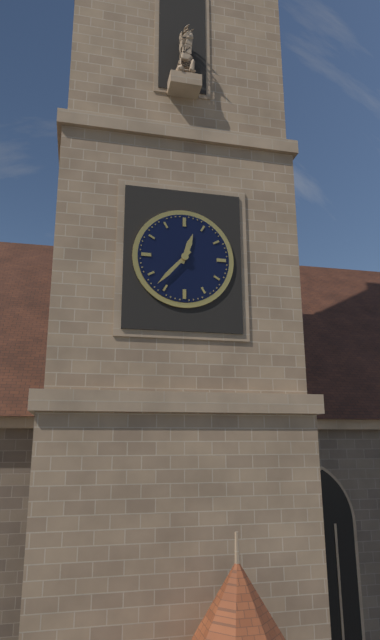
12:37
